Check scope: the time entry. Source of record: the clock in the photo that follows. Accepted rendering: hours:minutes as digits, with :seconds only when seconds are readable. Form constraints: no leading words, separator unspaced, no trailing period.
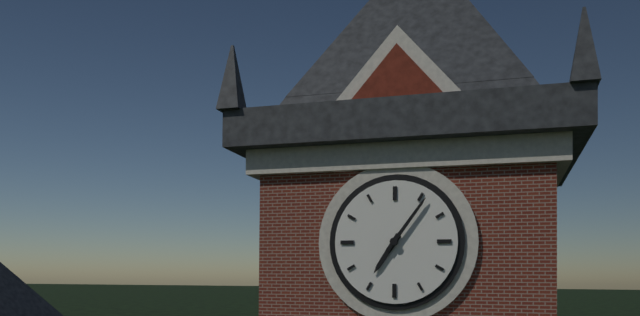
7:06
